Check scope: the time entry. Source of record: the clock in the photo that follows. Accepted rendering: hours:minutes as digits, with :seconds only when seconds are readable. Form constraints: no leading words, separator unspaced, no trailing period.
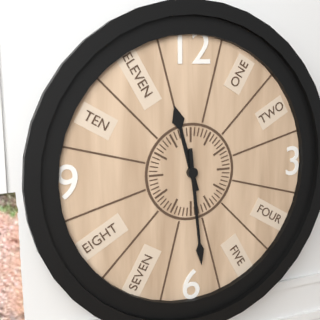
11:29
